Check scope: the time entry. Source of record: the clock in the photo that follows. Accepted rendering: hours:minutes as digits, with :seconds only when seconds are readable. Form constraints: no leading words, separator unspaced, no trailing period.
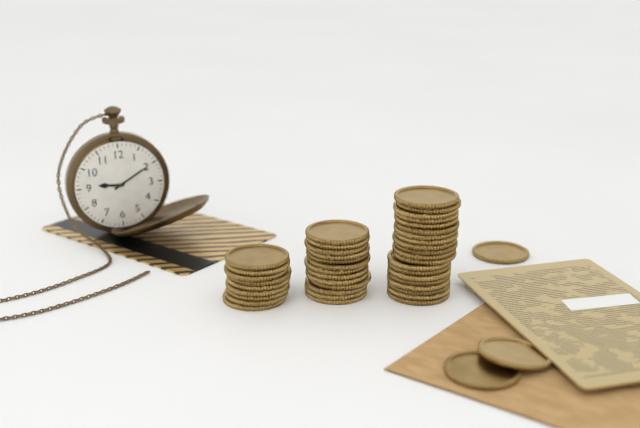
9:10
